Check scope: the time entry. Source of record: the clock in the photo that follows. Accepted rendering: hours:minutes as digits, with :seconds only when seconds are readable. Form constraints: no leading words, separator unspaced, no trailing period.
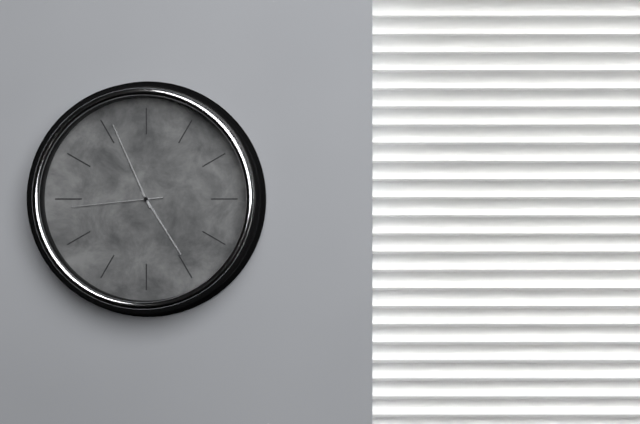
4:56:44
